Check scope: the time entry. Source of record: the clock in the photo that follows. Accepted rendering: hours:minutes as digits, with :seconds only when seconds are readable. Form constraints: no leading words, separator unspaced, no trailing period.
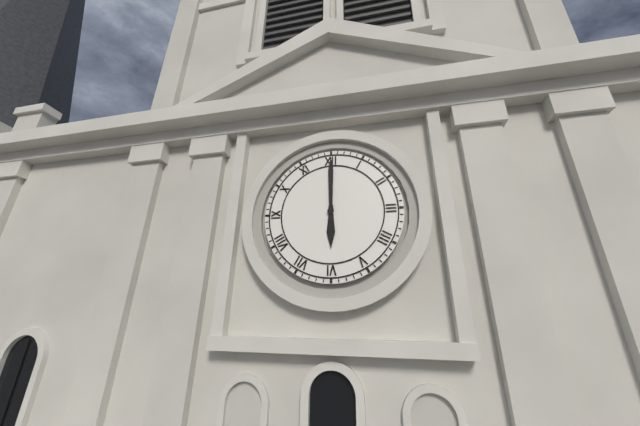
6:00
